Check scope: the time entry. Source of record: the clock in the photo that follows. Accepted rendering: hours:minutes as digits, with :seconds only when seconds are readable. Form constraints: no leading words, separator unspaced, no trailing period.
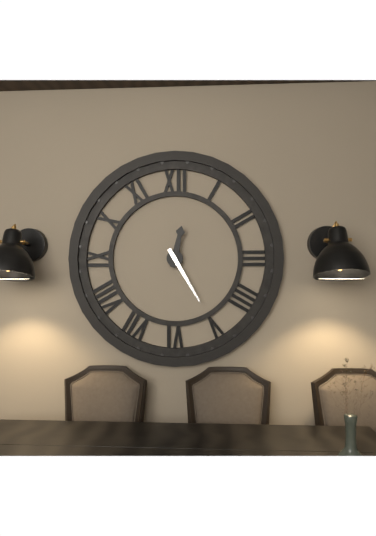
12:25
